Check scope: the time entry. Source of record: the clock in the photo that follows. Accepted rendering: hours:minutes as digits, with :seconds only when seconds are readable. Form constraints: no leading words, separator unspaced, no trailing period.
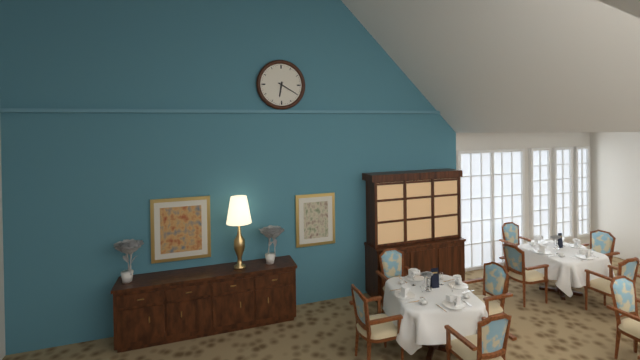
6:20
